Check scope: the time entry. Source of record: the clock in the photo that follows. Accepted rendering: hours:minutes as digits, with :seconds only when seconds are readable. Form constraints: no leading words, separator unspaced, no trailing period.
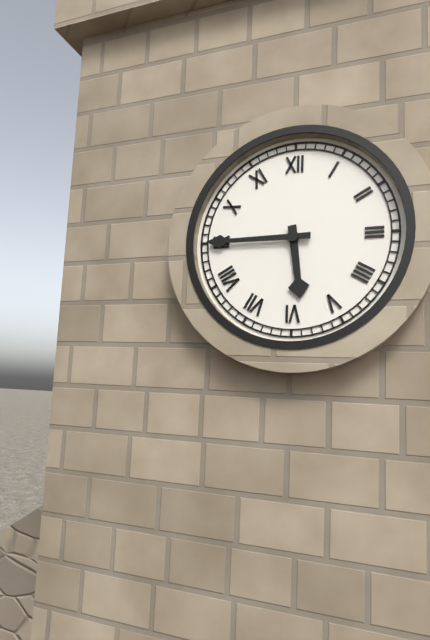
5:45
